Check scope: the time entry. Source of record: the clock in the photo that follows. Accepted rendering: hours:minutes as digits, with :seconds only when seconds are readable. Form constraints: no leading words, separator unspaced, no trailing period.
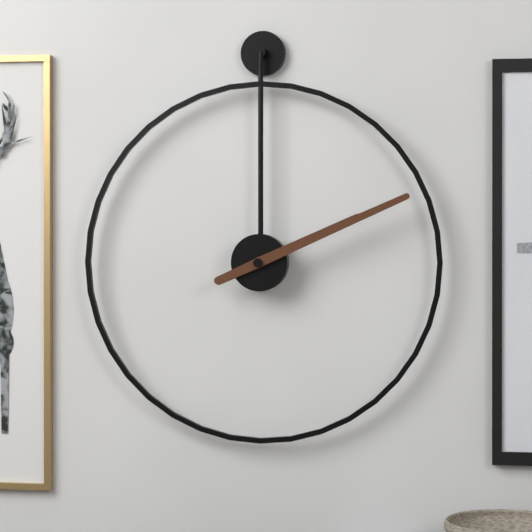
2:11
